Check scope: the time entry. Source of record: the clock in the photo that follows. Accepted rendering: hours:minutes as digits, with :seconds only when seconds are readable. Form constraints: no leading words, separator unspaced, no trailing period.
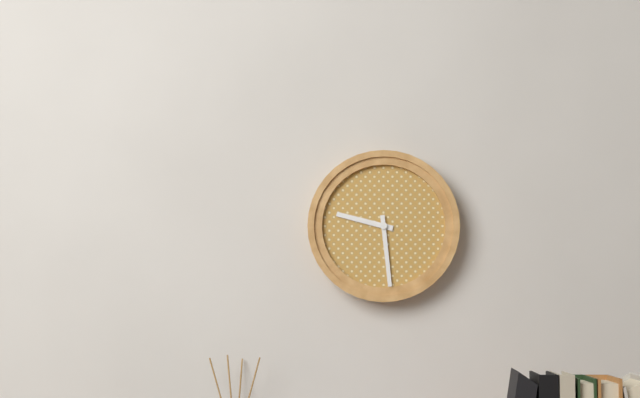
9:29
